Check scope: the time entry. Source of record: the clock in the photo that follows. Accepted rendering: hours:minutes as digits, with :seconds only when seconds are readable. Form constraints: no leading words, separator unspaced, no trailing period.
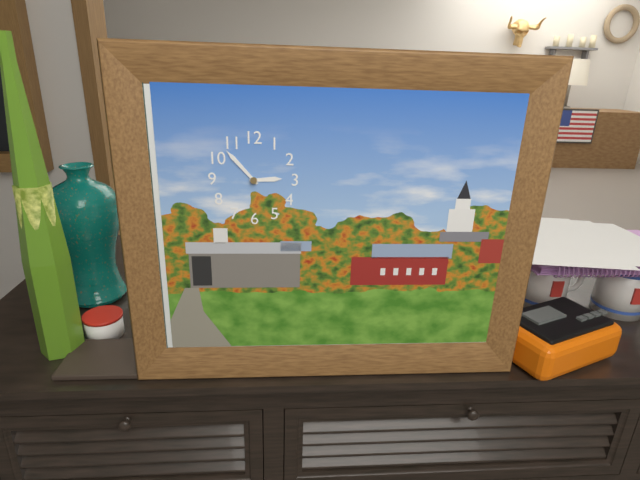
2:53
